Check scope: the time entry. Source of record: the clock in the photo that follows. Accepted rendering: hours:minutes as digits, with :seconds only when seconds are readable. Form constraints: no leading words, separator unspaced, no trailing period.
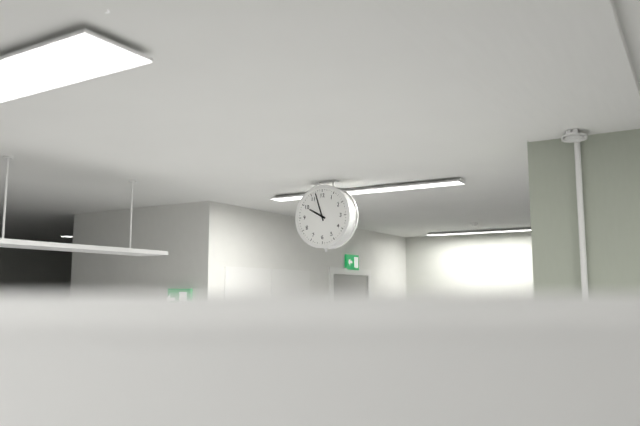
9:57
